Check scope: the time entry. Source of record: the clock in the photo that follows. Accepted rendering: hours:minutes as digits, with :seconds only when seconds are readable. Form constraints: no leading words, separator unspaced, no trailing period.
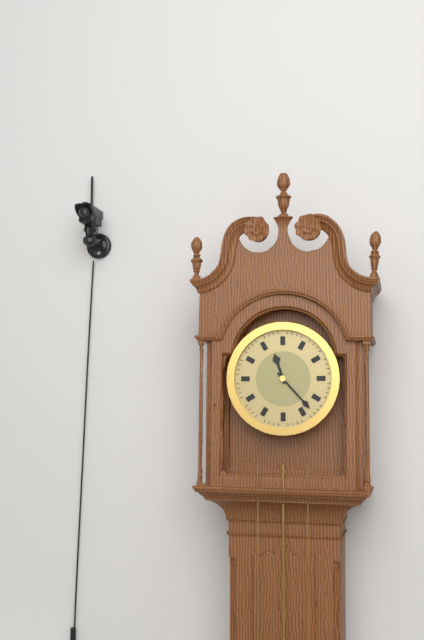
11:23
